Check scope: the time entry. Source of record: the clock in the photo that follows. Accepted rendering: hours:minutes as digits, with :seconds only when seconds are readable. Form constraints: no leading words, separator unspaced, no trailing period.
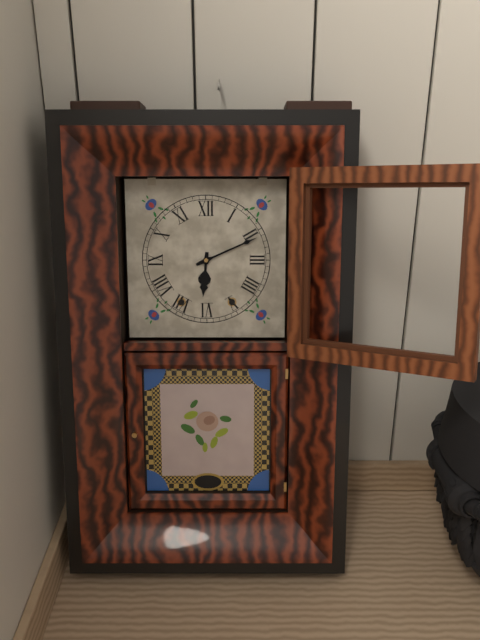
6:11
